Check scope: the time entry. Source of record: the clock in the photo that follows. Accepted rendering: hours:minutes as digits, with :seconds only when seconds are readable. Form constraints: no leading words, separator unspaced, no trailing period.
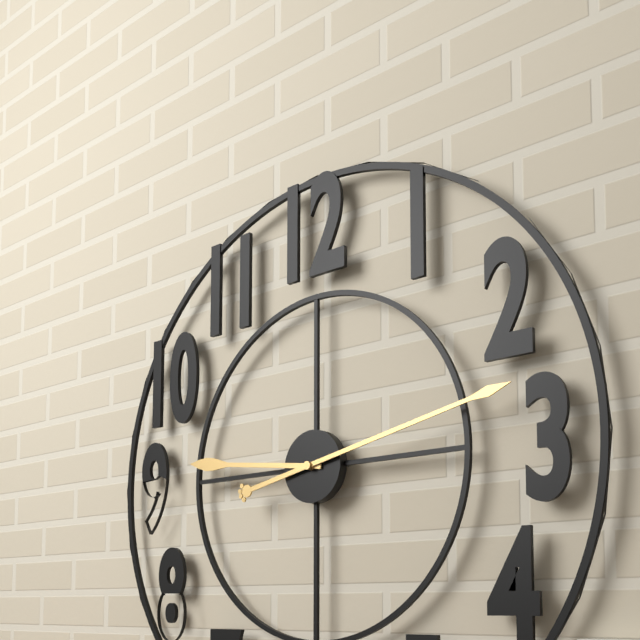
9:13
